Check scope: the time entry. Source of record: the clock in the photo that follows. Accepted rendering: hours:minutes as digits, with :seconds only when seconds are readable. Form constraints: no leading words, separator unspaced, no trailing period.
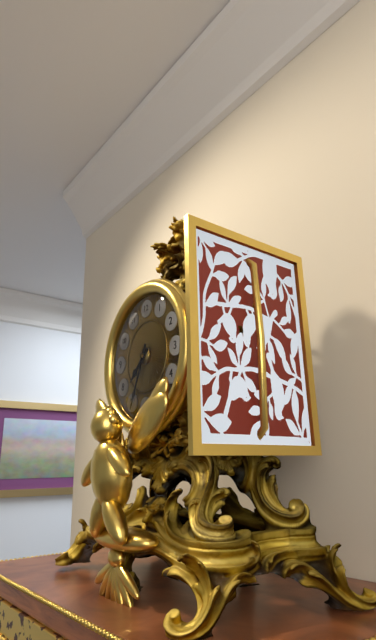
7:34
